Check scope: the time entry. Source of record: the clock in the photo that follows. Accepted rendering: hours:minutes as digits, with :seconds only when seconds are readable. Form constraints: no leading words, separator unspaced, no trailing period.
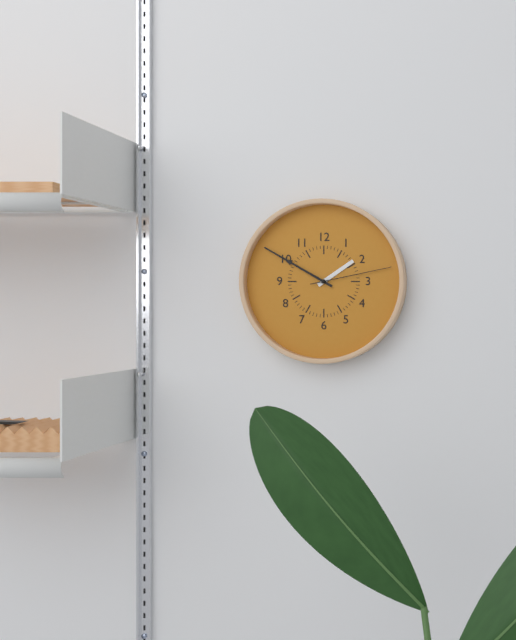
1:50:13
